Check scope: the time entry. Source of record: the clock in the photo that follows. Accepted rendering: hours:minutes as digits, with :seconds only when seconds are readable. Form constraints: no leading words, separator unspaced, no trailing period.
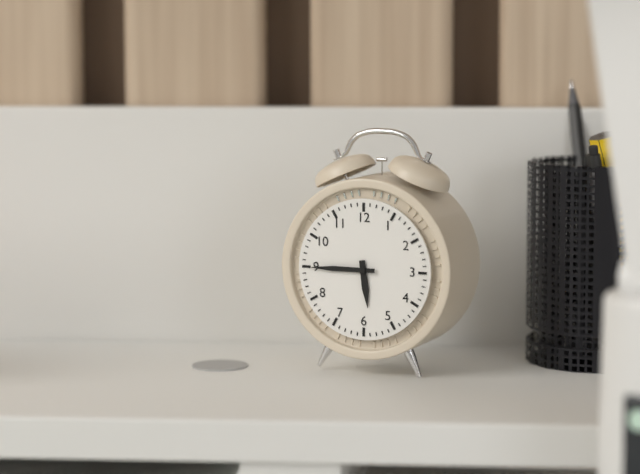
5:45
